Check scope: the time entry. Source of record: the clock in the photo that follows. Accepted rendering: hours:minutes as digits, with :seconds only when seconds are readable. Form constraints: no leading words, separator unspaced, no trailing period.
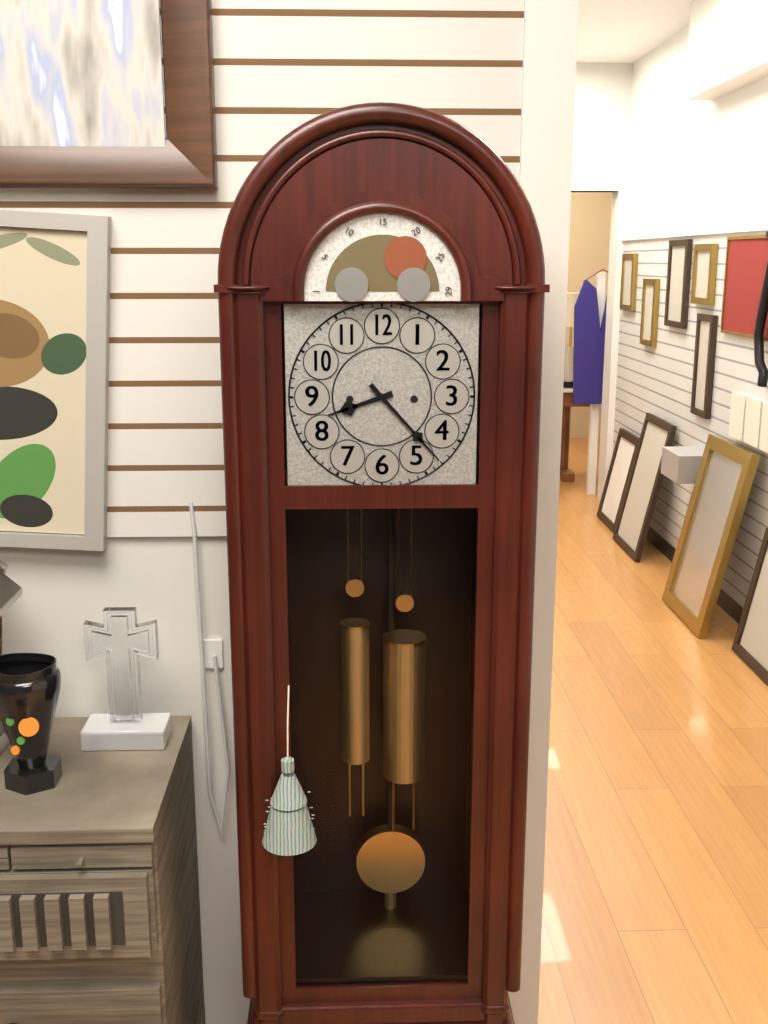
8:23
